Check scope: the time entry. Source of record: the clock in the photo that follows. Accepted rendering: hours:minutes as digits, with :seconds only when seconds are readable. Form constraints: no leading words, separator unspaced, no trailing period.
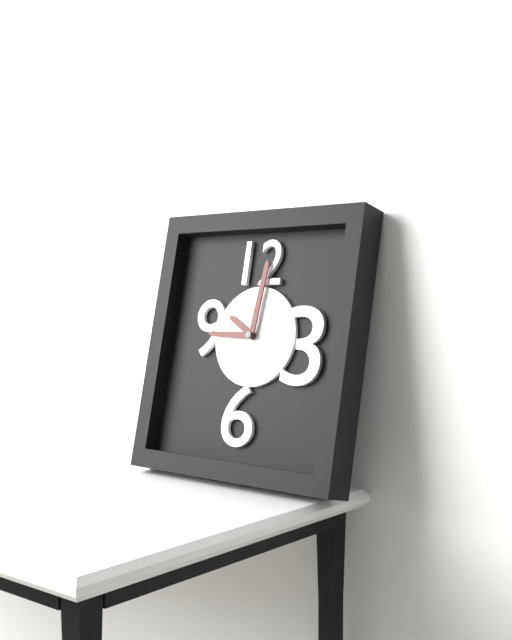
10:01:45
